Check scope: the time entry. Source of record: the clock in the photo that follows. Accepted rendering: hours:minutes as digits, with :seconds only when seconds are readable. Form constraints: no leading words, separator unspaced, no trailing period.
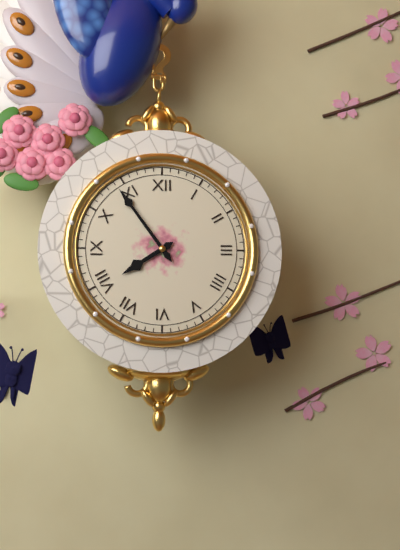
7:54
